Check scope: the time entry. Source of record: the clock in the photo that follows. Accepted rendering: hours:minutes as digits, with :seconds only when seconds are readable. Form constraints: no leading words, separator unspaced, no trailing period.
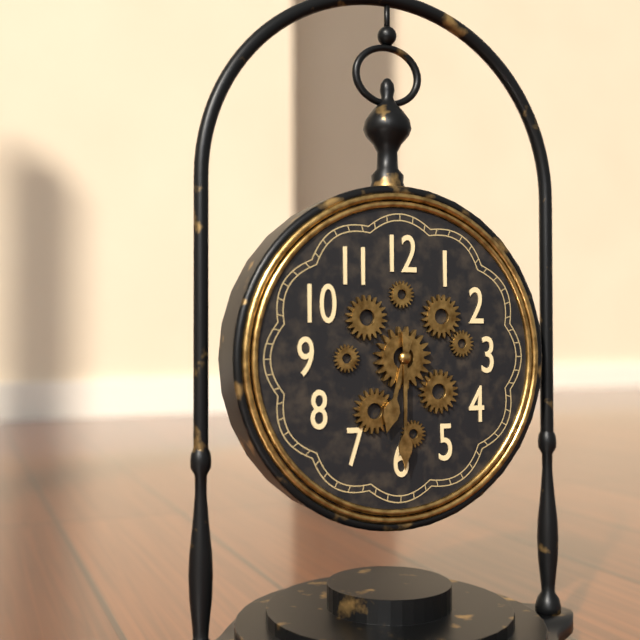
6:30
